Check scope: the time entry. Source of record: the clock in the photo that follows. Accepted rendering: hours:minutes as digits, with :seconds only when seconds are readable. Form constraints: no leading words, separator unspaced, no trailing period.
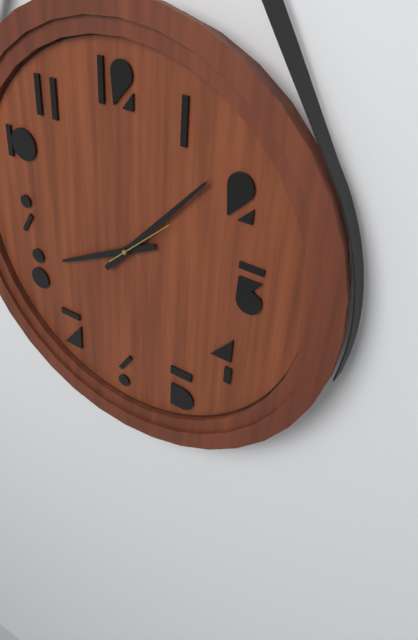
8:07:08
